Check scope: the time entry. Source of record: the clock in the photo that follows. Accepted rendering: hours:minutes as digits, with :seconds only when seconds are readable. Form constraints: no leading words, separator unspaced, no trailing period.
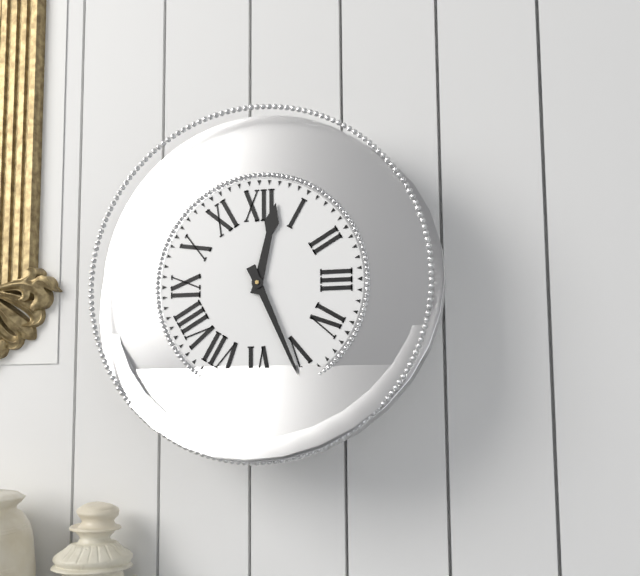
12:26
